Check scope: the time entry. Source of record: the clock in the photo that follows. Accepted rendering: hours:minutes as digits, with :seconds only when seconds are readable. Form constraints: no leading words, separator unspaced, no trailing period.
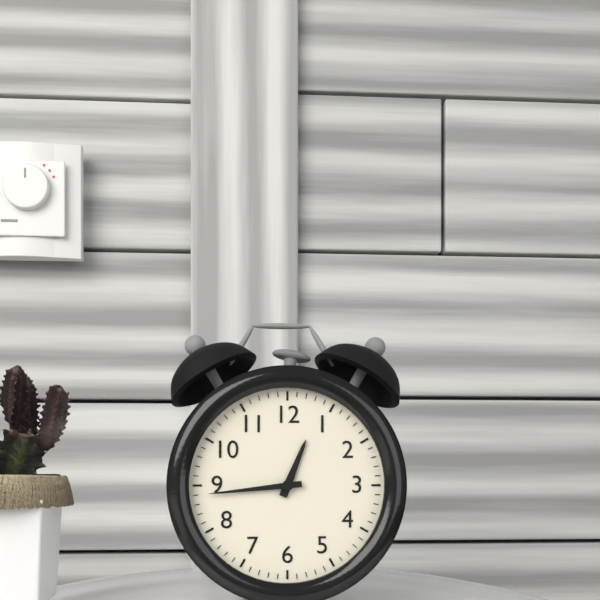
12:44
